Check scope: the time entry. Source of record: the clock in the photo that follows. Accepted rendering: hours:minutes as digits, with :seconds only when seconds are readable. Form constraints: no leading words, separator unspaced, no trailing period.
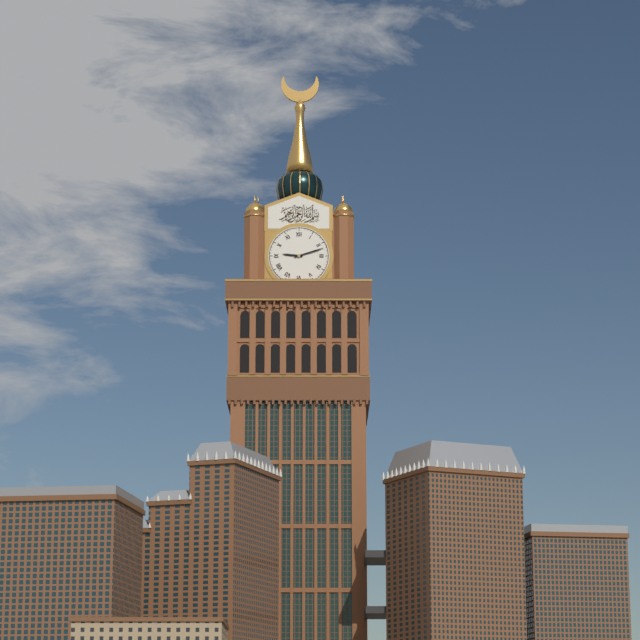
9:12
